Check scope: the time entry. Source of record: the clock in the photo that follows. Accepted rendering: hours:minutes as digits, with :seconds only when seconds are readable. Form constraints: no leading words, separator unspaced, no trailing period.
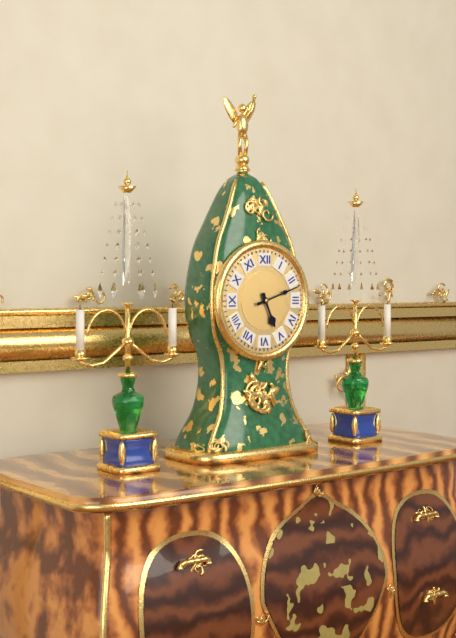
5:12
